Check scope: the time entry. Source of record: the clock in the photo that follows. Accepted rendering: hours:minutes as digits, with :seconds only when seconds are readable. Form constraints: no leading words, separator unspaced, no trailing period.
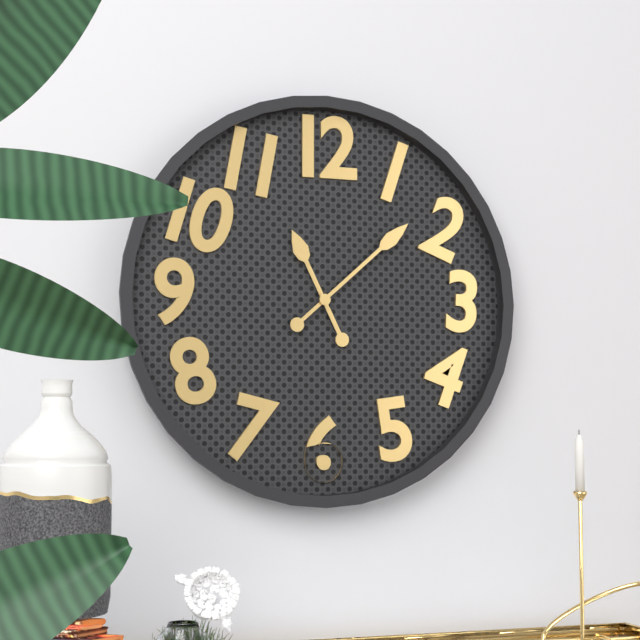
11:08
